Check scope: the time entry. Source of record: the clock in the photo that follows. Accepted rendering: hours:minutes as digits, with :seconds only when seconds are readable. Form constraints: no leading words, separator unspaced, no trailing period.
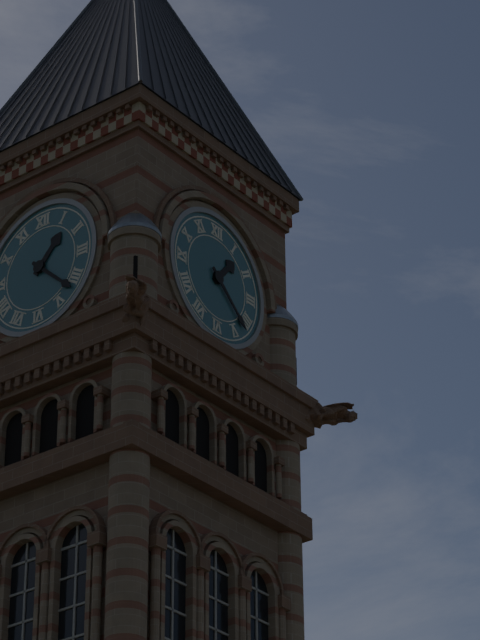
1:22
